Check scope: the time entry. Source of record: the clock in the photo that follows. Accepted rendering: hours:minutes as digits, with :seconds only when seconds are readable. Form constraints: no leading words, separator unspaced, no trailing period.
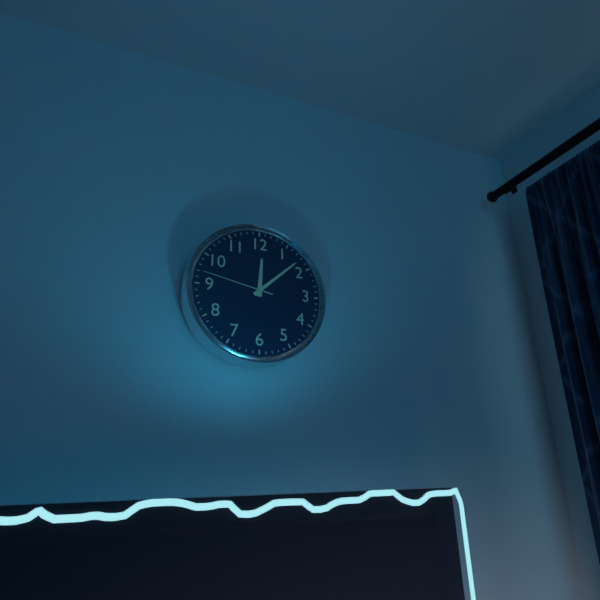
12:08:47
